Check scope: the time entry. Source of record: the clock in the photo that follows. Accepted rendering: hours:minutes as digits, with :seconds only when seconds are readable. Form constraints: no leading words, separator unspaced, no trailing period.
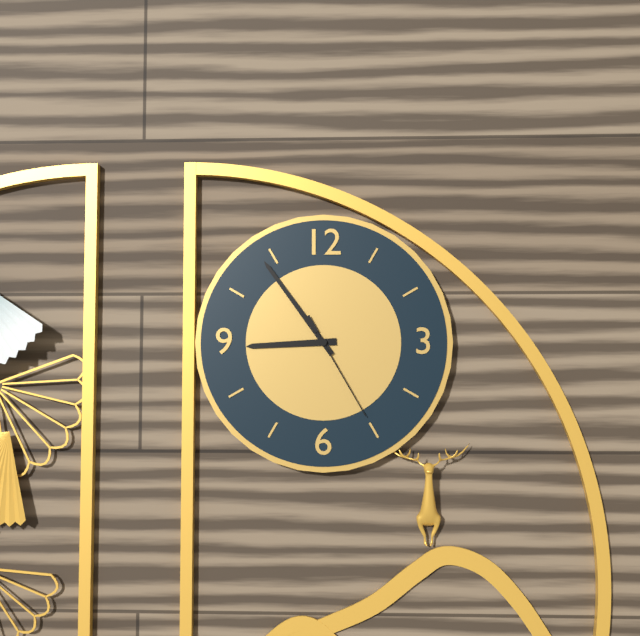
8:54:25
